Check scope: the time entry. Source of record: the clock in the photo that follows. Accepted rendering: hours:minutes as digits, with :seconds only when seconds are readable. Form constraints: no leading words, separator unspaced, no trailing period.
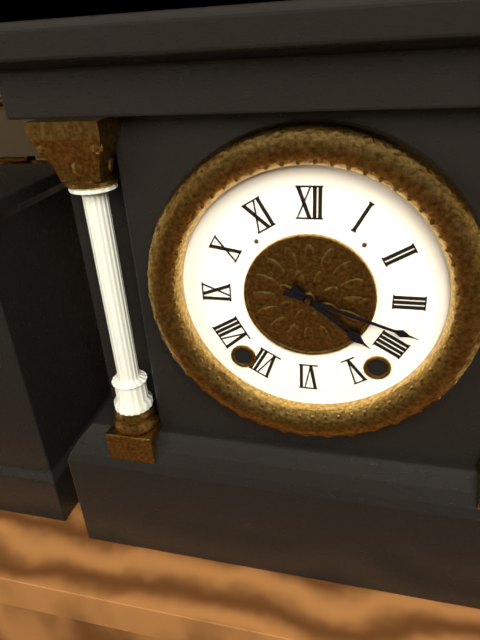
4:18
